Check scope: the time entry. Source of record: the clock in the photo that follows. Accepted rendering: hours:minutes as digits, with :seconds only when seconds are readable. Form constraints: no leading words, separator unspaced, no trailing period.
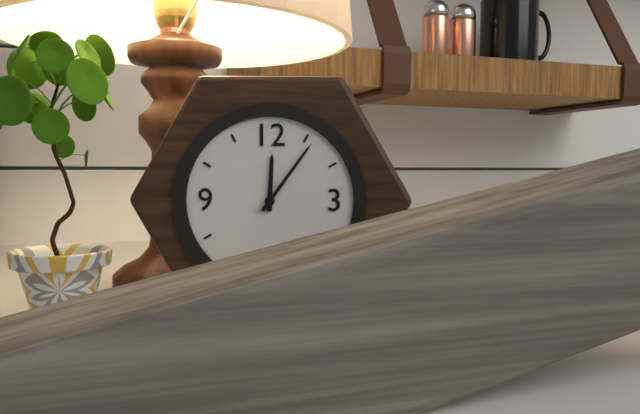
12:06
